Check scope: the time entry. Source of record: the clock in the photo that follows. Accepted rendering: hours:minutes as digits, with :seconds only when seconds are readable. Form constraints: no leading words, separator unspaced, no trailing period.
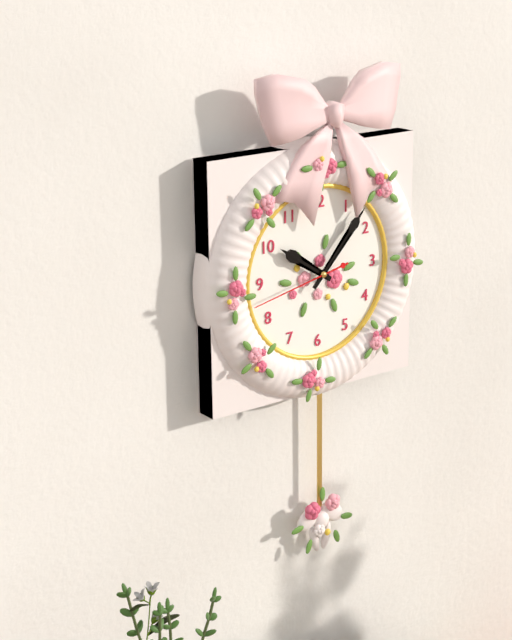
10:07:43
